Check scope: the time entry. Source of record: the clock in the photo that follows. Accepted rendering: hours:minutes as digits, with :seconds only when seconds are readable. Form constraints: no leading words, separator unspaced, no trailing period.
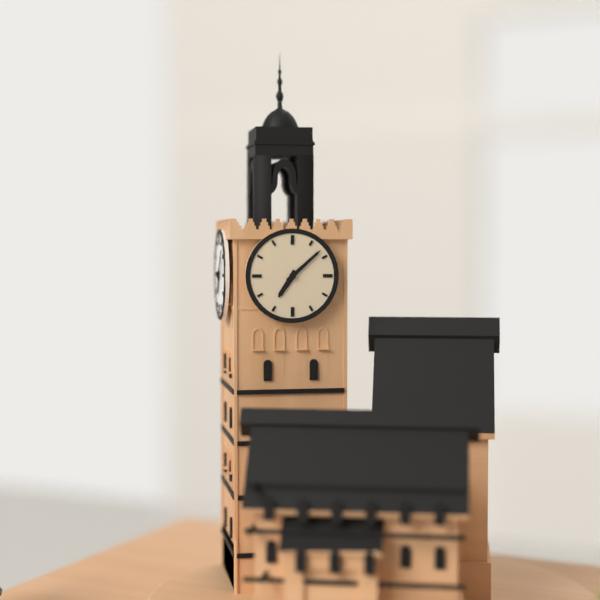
7:08
